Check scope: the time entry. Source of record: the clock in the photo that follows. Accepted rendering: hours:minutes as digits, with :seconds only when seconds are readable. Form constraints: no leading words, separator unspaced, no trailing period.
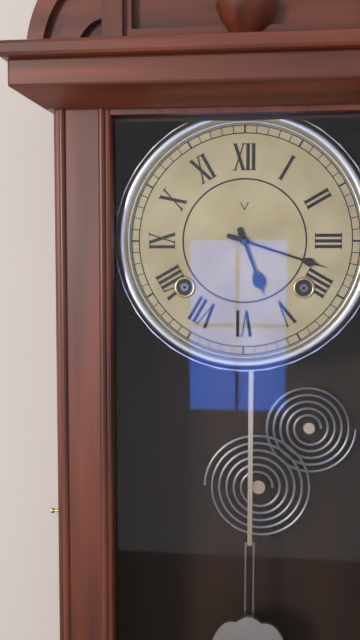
5:18
